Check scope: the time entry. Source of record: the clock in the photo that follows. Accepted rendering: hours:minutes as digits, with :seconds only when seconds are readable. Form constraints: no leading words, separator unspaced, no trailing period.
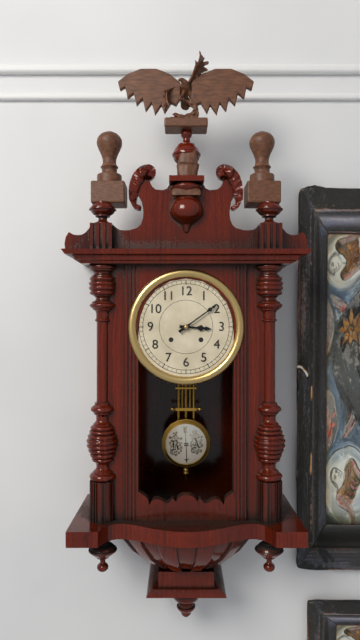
3:09
